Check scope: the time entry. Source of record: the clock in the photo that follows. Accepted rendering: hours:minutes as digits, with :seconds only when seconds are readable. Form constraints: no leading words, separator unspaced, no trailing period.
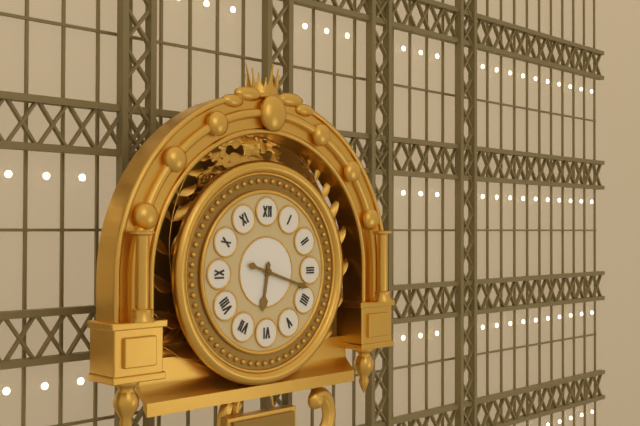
6:18
